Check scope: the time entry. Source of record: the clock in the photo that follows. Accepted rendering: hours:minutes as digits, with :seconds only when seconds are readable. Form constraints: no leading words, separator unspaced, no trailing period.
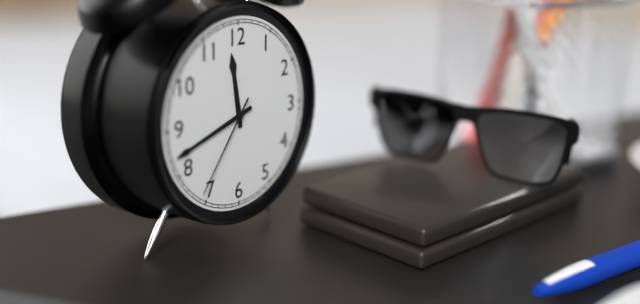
11:42:36
